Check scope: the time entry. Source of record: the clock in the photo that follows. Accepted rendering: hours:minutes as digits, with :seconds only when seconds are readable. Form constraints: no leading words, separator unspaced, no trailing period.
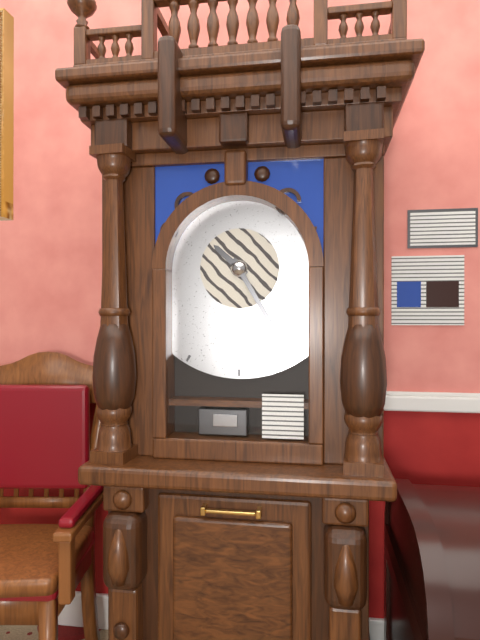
10:25
